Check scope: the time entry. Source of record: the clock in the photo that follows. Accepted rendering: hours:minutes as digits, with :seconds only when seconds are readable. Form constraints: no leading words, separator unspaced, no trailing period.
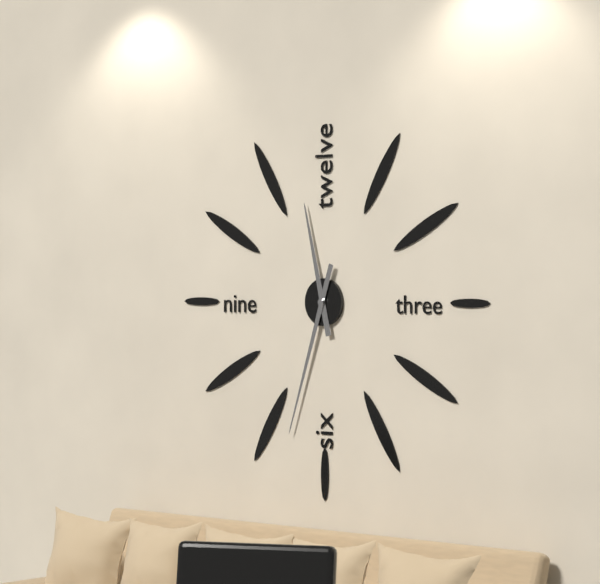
11:33
